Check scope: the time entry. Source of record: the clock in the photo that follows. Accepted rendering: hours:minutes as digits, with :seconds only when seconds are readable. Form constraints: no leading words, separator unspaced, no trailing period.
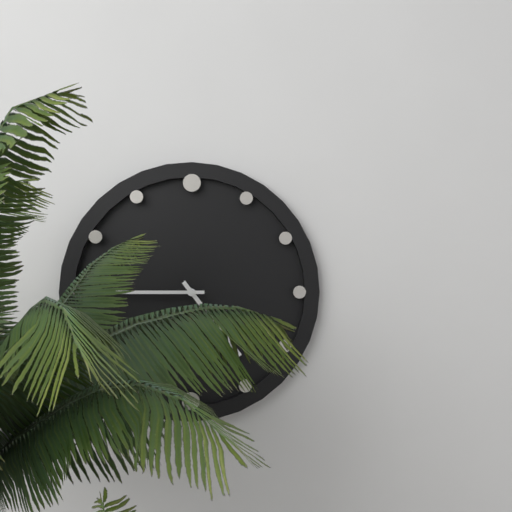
4:45
